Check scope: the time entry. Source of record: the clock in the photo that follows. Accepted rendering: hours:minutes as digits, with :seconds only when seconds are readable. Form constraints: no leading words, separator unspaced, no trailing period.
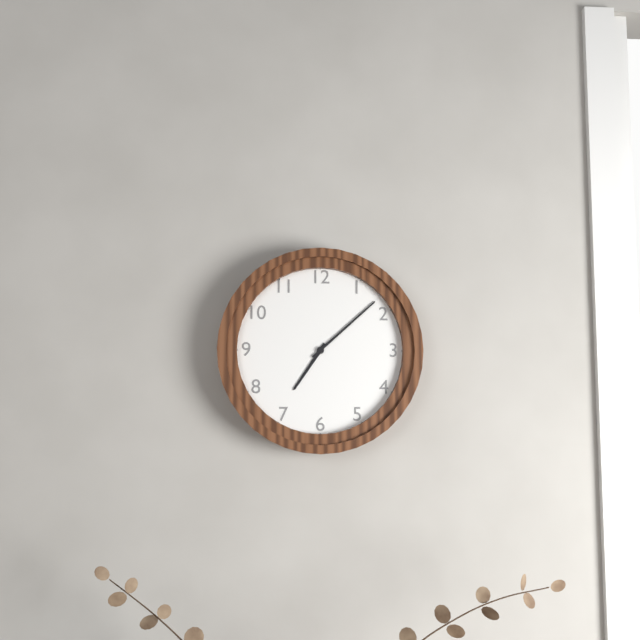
7:08
